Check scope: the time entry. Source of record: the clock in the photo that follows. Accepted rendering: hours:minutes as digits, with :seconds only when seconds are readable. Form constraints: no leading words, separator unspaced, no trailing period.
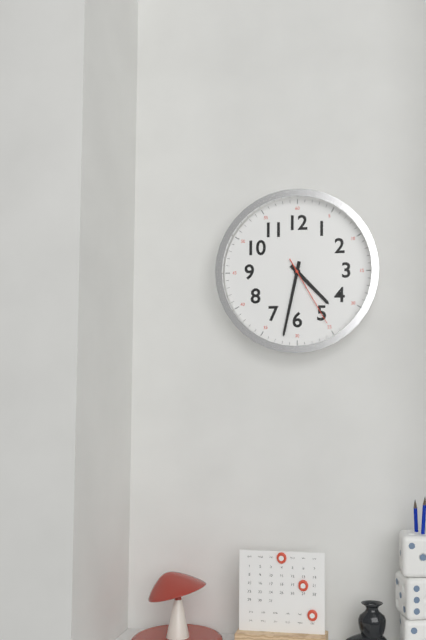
4:32:25
